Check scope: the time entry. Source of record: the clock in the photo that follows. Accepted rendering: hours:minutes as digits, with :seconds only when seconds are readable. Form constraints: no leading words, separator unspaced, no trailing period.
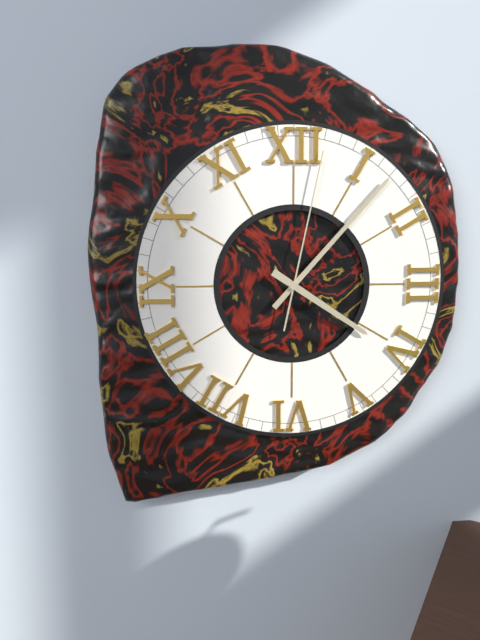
4:07:02
